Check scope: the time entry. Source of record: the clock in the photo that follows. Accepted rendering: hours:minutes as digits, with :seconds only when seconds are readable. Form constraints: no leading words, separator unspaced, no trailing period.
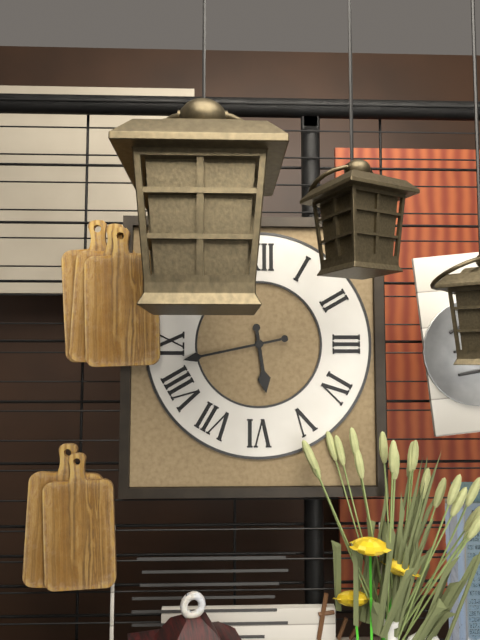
5:43
